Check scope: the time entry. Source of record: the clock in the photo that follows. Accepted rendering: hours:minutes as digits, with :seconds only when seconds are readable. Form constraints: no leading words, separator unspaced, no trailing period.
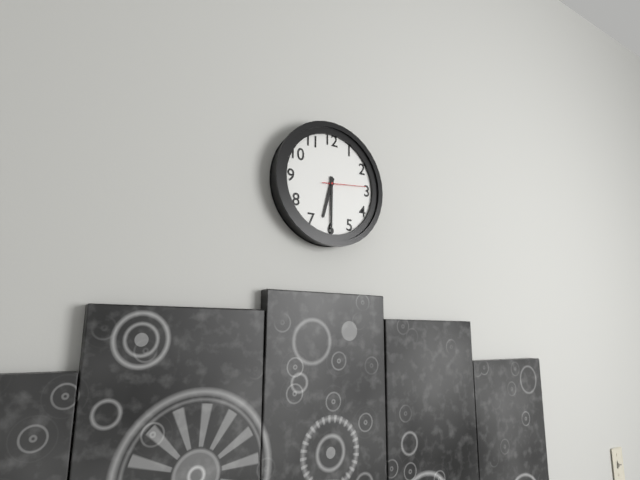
6:30
